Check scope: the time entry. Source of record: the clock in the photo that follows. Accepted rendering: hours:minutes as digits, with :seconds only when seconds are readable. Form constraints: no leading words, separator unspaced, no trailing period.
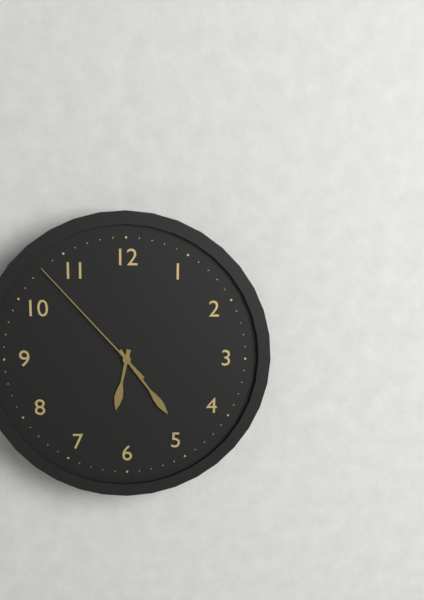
6:24:53
